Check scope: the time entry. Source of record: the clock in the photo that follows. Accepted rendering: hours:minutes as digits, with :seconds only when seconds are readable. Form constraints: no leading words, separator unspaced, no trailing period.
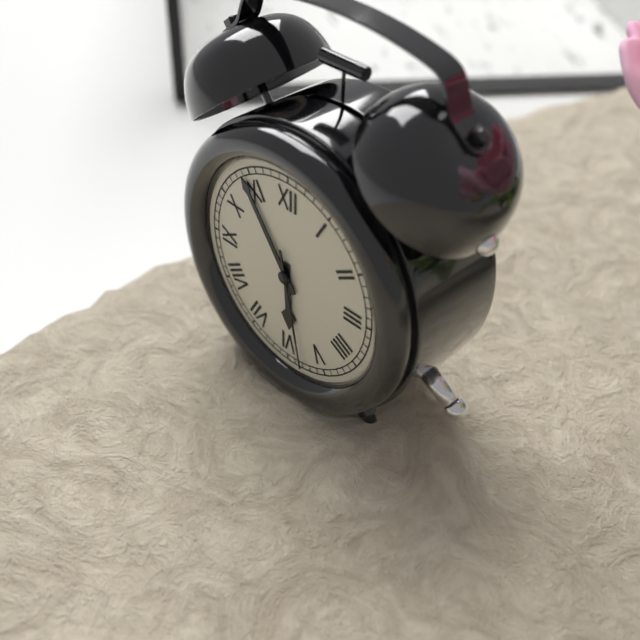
5:54:28
